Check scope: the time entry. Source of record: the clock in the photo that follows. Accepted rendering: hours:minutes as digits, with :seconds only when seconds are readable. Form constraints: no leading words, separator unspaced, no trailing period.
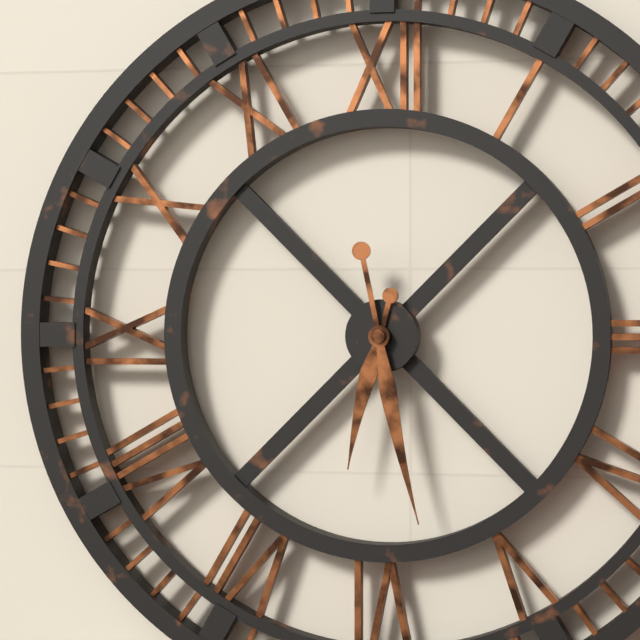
6:28
